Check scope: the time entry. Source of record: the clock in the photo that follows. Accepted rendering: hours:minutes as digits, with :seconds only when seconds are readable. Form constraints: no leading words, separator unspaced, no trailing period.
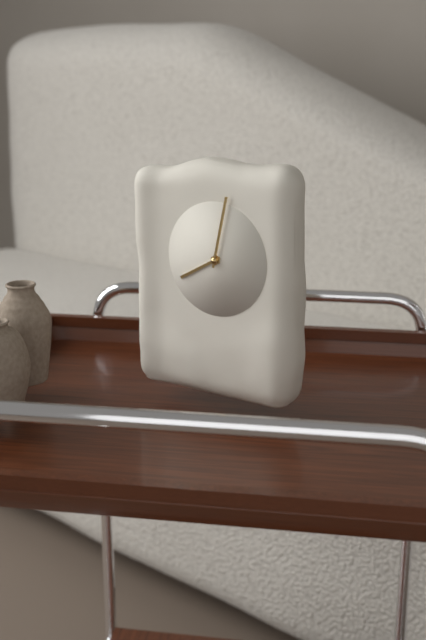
8:02
